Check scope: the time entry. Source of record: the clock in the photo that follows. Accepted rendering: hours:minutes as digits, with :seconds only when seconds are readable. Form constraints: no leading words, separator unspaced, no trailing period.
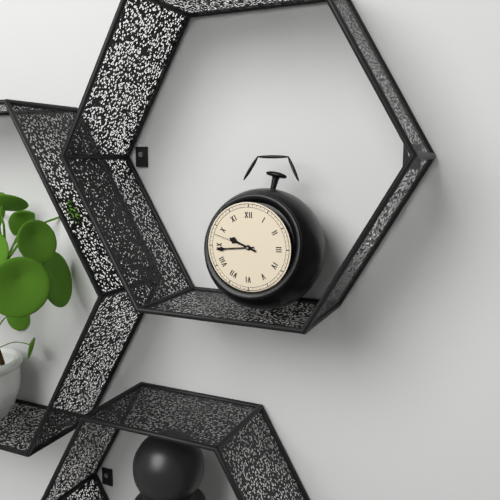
9:44
